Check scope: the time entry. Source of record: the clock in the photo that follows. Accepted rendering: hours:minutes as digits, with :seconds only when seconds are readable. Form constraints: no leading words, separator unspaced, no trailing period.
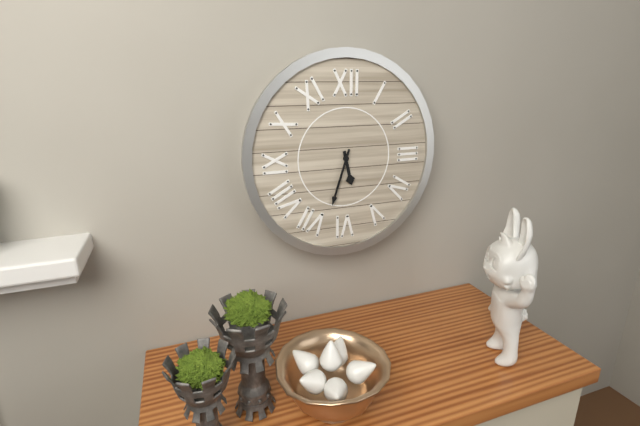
5:33
